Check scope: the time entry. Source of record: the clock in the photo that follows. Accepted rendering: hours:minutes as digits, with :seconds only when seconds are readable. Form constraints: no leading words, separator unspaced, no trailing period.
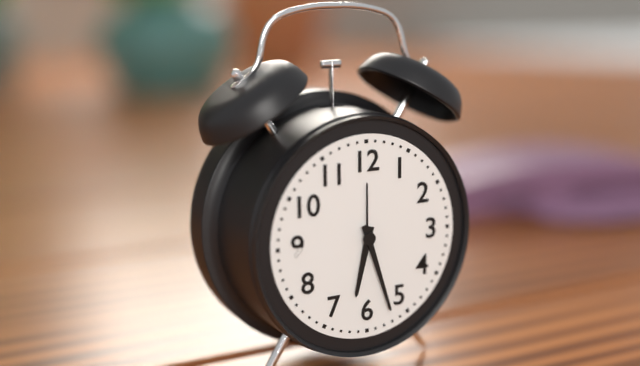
6:27
